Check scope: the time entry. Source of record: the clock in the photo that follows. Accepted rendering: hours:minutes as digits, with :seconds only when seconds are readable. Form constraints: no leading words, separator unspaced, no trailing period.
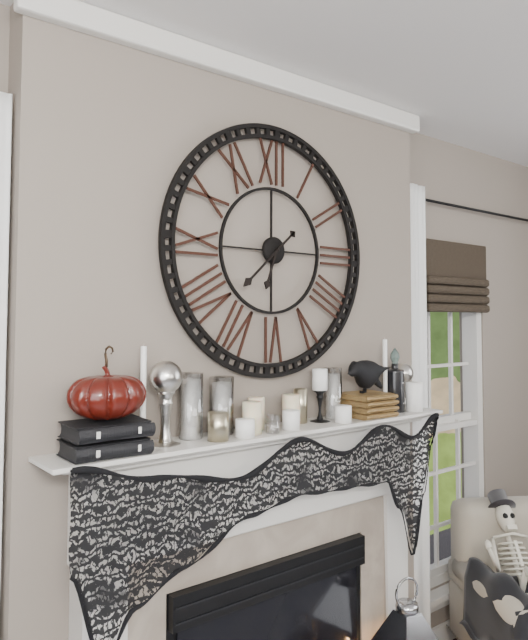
6:38
